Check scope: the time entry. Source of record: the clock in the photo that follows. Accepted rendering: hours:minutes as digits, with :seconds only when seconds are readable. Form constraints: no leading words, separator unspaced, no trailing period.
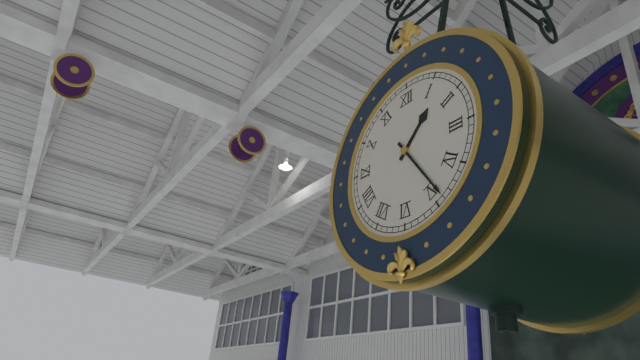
1:24
